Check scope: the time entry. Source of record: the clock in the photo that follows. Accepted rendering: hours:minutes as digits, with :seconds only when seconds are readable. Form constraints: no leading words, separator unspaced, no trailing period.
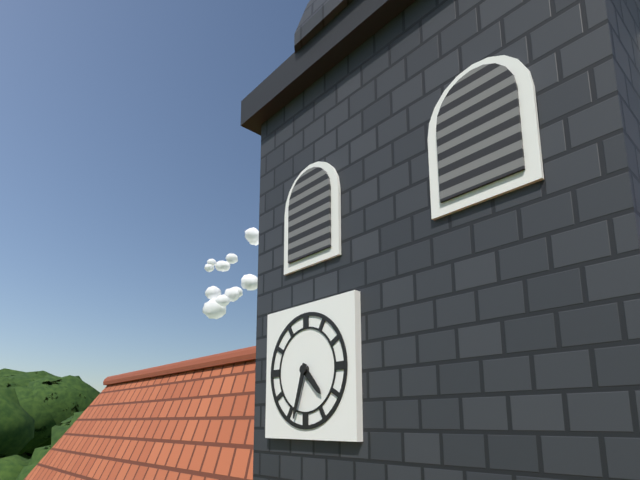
4:33
